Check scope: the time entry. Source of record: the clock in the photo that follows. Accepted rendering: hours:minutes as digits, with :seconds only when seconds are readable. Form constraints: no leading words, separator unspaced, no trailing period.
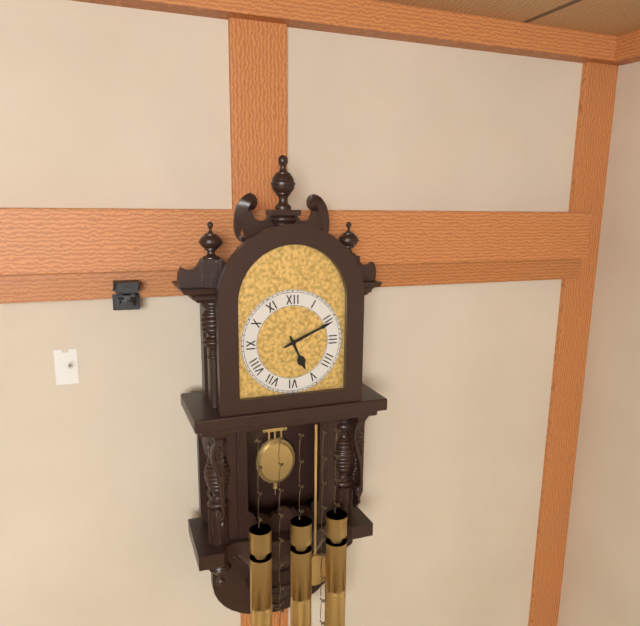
5:11
